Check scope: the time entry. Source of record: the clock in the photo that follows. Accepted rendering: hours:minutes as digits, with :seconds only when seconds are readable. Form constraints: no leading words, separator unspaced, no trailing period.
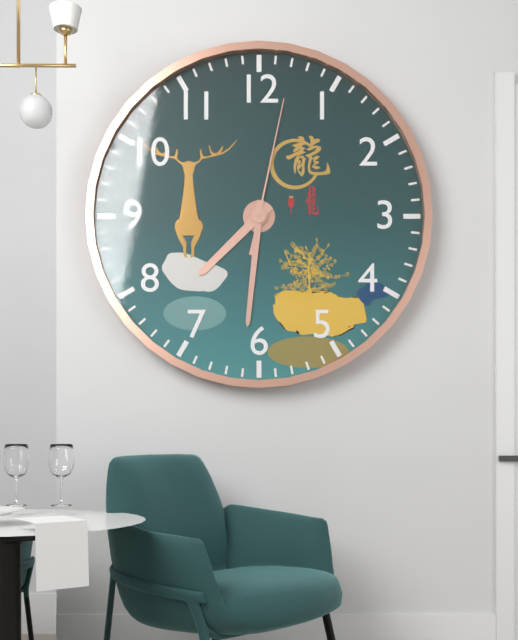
7:31:02
